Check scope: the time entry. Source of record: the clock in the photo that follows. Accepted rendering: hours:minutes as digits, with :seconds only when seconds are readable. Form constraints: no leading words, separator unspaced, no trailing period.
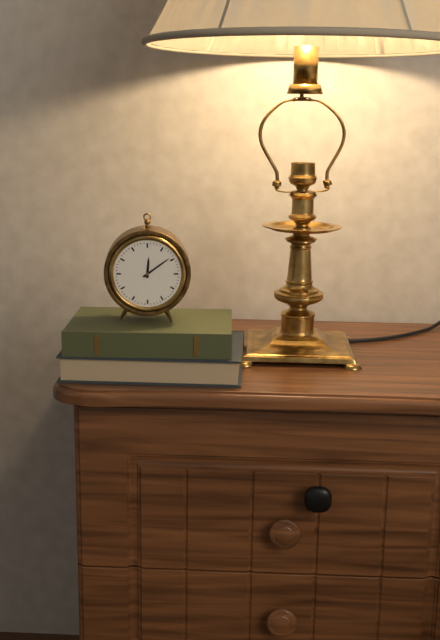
12:09
